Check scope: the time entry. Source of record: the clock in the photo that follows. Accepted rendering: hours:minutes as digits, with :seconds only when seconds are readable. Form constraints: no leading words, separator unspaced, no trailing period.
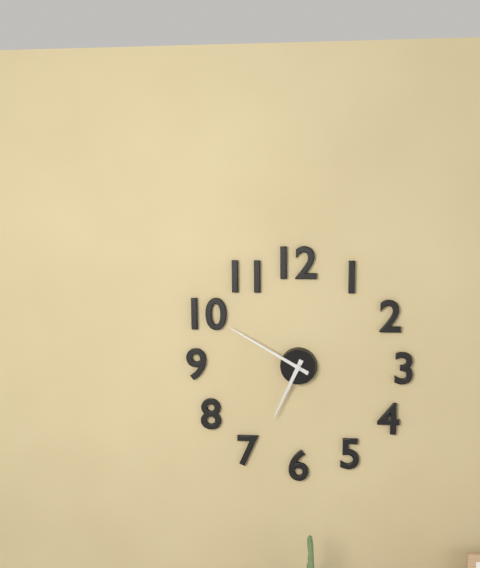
6:50
